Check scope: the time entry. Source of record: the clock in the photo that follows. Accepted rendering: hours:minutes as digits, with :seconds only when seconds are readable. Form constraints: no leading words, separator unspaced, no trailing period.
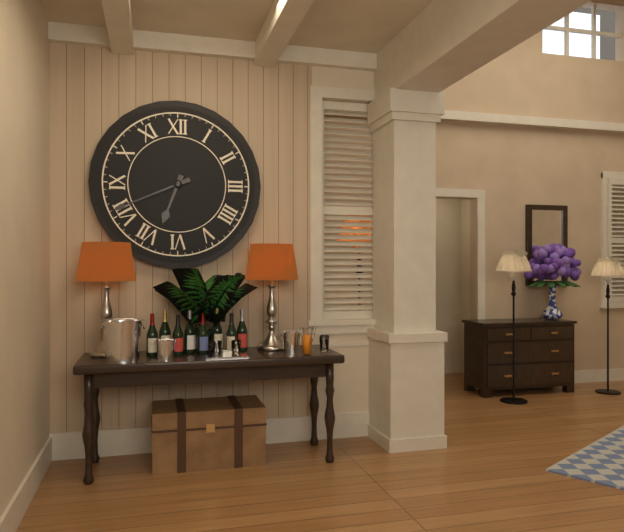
6:41
